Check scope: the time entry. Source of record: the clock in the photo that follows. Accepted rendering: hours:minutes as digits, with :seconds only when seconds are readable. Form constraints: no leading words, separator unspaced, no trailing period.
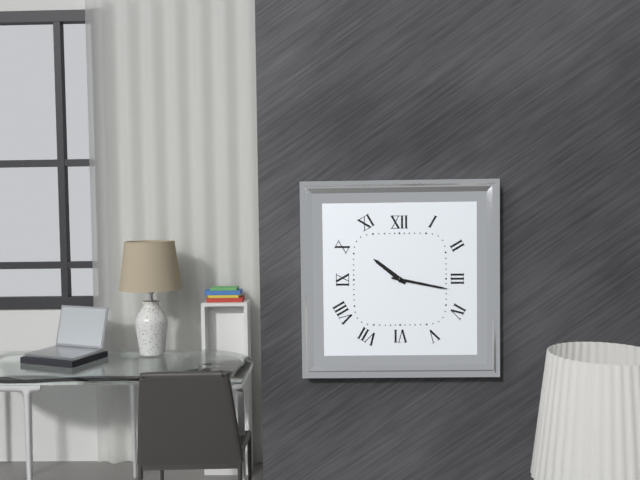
10:17
